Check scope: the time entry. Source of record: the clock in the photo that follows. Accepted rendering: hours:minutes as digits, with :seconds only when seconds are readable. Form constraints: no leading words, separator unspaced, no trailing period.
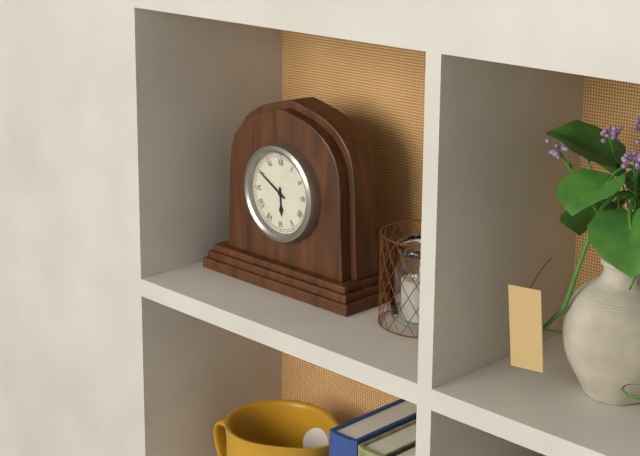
5:50
